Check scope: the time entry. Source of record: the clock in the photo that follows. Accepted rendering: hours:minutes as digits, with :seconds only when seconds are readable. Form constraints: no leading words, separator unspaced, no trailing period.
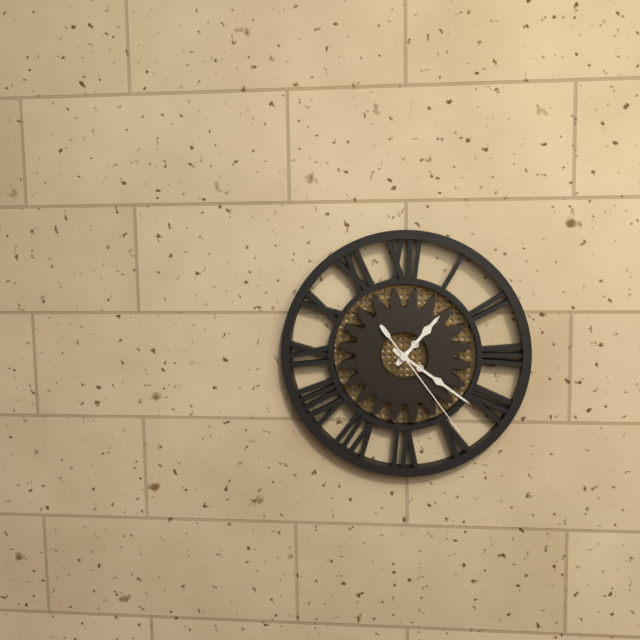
1:21:24
